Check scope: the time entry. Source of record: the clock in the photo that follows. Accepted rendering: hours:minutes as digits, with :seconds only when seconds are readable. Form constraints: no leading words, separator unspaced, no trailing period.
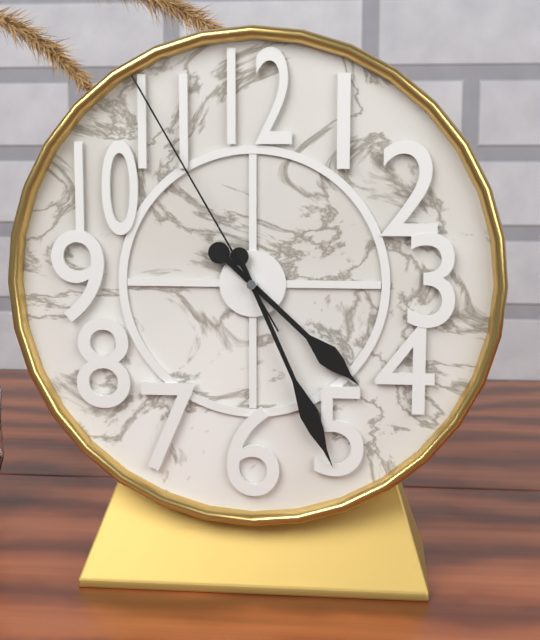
4:26:55
